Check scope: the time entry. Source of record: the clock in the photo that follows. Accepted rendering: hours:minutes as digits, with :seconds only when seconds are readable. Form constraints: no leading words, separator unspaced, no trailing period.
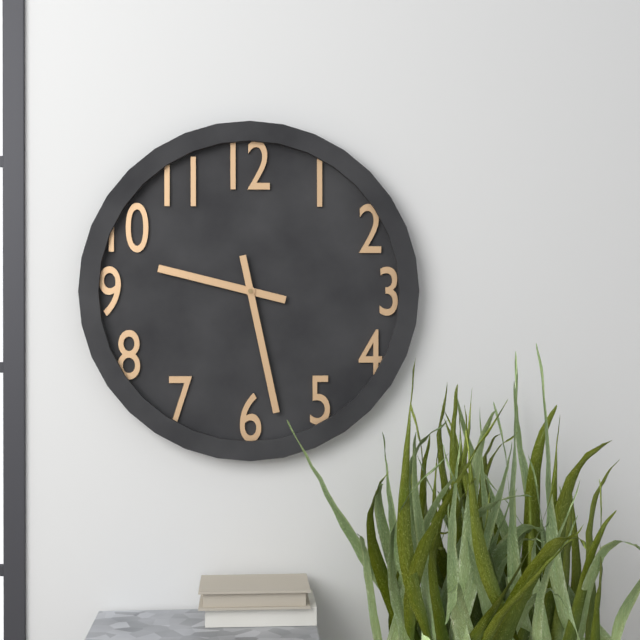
9:28
